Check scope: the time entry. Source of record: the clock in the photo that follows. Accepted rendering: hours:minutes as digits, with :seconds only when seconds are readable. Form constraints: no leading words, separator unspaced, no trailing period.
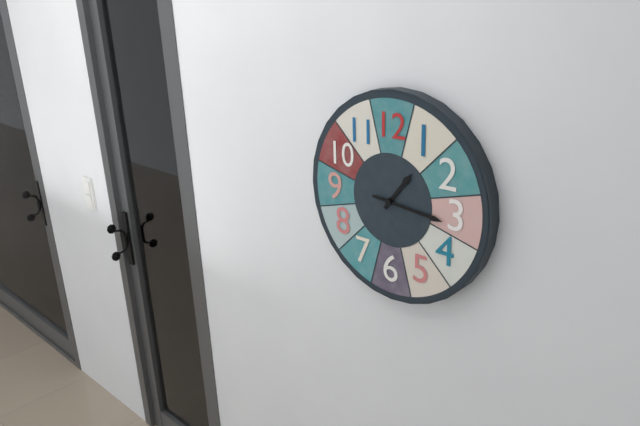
1:16
